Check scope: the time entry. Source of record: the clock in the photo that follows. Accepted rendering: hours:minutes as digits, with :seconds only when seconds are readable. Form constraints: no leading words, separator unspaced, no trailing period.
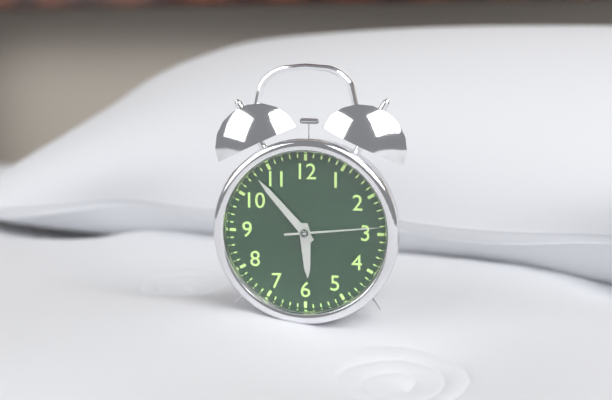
5:53:14
